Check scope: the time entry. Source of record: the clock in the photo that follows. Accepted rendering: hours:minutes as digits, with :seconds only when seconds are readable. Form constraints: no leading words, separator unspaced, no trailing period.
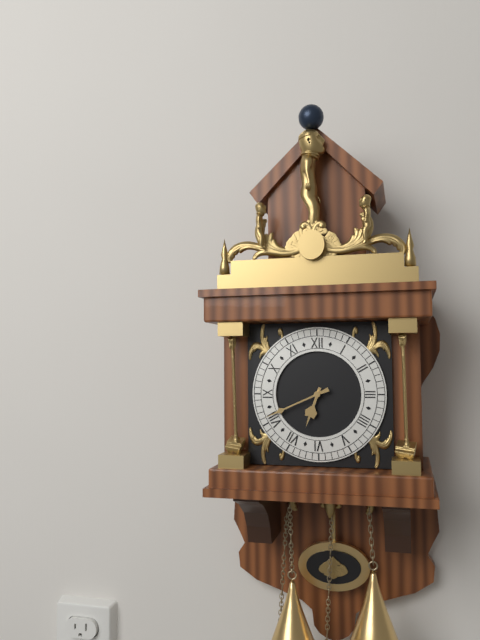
6:41
